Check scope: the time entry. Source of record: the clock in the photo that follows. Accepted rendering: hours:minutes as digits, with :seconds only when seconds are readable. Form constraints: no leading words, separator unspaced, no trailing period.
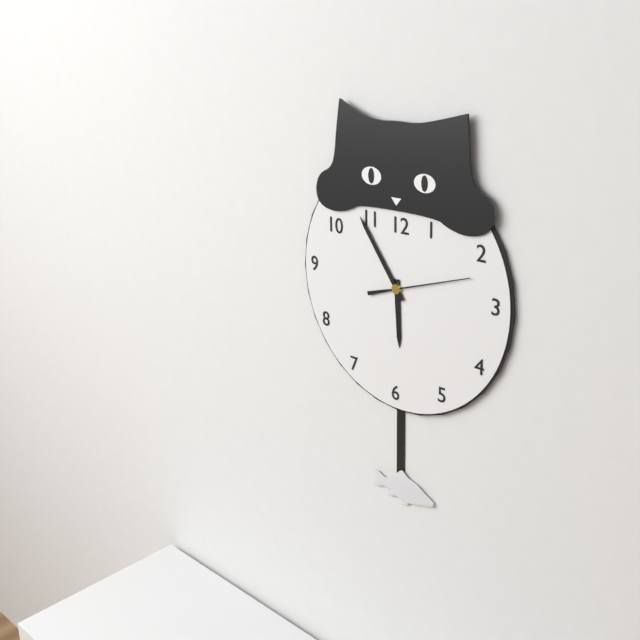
5:54:12
